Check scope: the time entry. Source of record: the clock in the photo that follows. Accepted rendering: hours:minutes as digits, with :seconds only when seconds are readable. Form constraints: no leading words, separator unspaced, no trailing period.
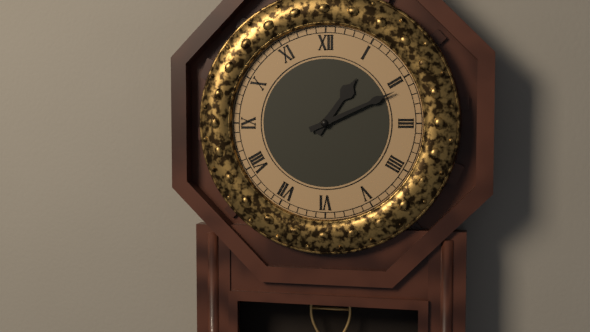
1:11
